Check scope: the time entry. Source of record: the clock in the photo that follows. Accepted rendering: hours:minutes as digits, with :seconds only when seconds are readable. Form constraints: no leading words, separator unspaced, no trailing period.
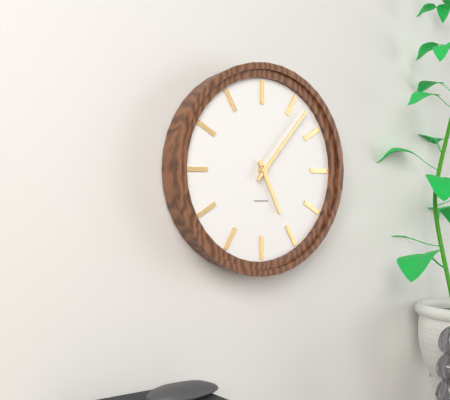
5:07
